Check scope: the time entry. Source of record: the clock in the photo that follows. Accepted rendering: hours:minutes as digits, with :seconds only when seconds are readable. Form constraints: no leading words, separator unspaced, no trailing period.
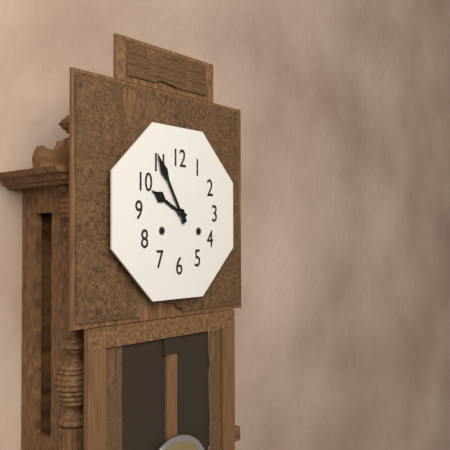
9:55
